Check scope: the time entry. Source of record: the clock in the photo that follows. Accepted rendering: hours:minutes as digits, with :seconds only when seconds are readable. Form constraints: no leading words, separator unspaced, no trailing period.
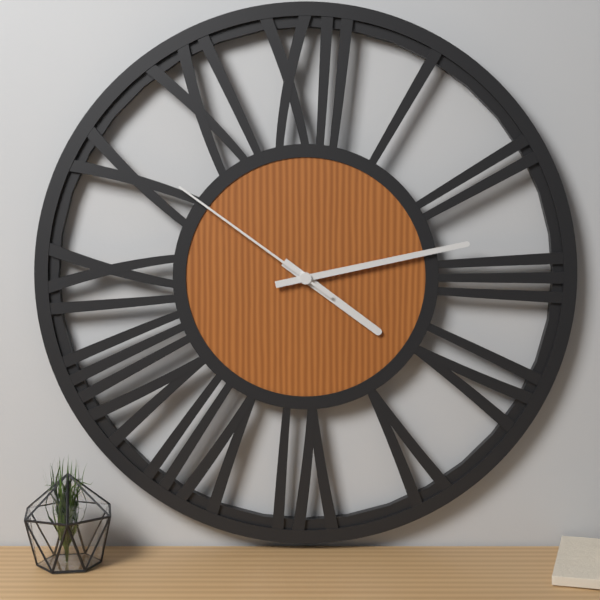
4:13:51
